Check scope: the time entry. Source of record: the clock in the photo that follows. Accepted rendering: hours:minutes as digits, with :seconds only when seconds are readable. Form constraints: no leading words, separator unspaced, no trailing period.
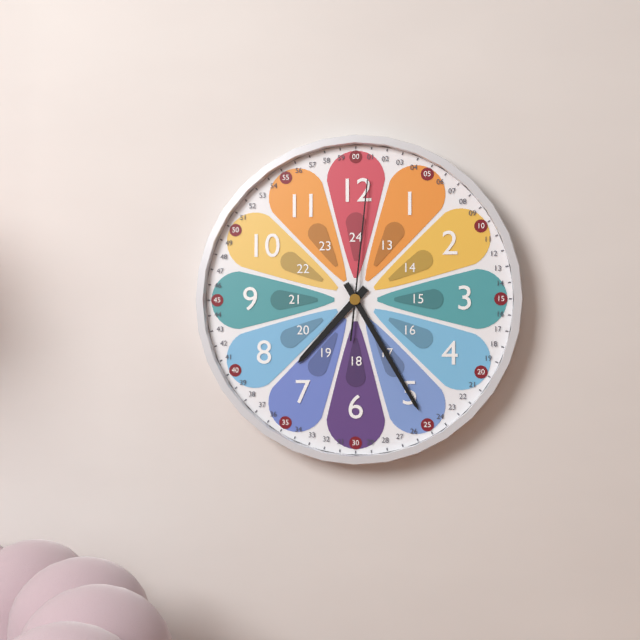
7:25:01
